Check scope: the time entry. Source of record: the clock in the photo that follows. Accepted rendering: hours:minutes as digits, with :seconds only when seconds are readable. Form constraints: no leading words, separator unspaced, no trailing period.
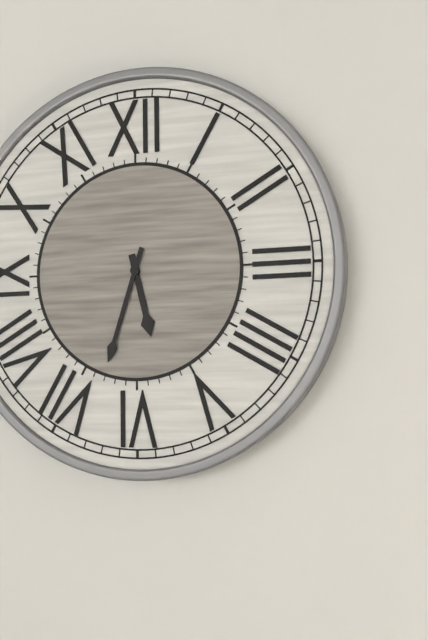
5:33
